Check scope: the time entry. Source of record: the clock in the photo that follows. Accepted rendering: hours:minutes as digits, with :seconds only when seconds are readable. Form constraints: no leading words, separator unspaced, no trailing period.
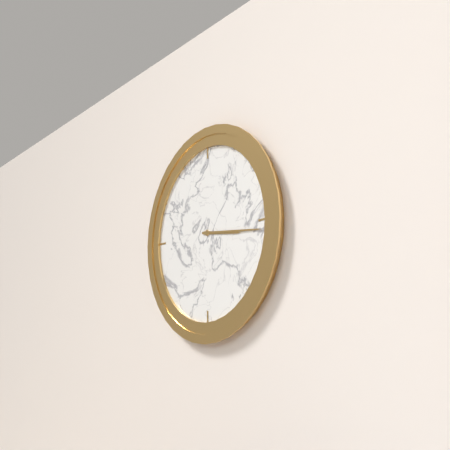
3:16
